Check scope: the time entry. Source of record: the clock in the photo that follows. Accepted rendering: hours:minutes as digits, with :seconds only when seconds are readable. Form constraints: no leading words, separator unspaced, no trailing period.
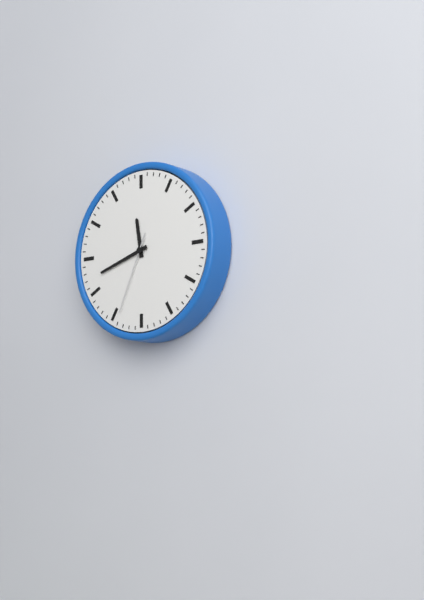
11:42:34
